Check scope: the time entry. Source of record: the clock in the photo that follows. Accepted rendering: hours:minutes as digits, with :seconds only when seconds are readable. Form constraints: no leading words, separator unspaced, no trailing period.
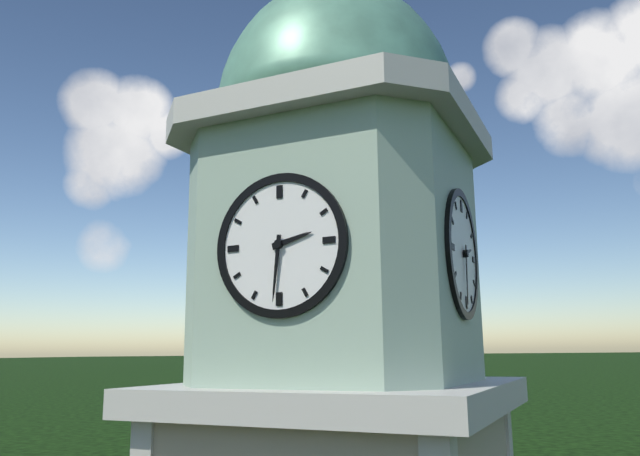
2:31
